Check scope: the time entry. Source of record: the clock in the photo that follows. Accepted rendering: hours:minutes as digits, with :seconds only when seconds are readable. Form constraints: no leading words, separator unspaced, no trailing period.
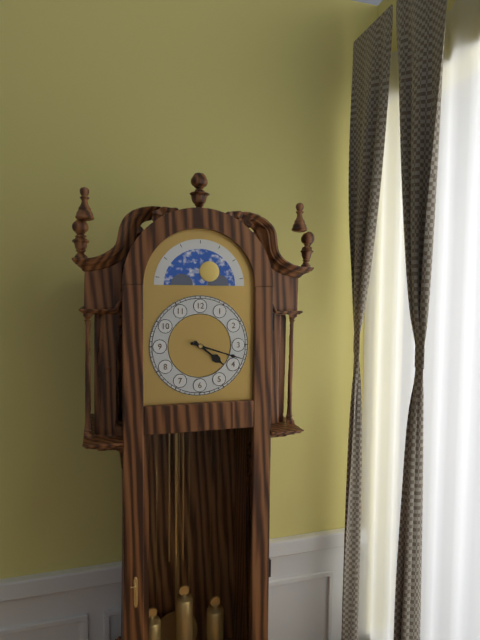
4:18
